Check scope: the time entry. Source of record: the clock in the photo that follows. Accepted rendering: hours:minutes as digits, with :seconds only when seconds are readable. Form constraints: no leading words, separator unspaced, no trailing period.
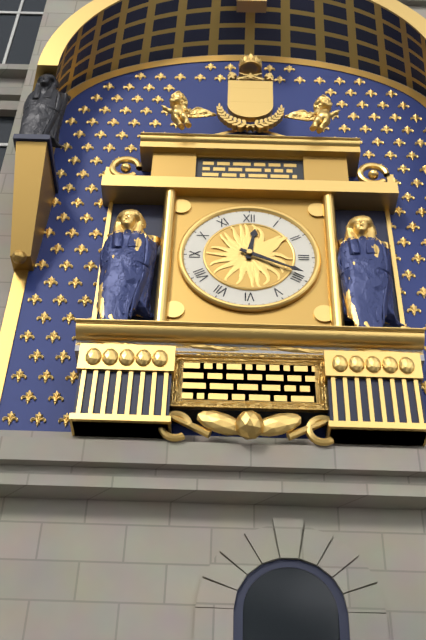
12:19
